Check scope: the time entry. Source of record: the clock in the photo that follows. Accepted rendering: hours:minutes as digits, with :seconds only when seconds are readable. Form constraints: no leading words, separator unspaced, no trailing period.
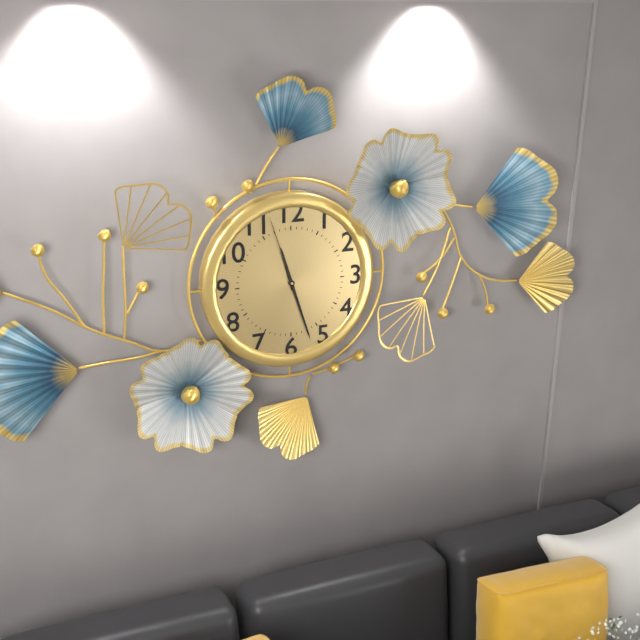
11:27:57
